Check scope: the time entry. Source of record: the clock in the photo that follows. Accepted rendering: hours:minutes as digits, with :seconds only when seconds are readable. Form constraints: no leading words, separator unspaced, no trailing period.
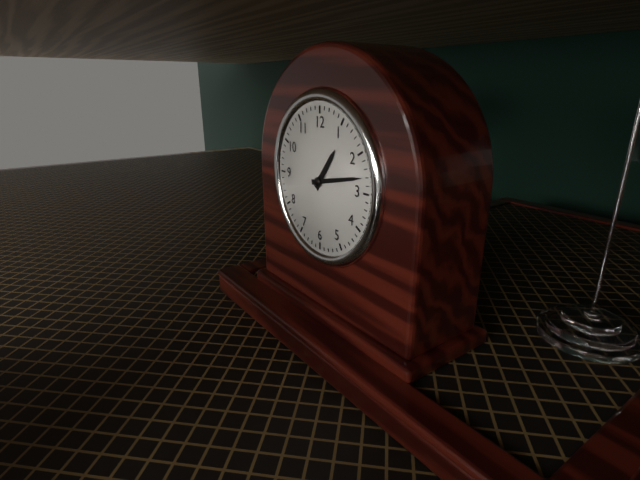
1:13
